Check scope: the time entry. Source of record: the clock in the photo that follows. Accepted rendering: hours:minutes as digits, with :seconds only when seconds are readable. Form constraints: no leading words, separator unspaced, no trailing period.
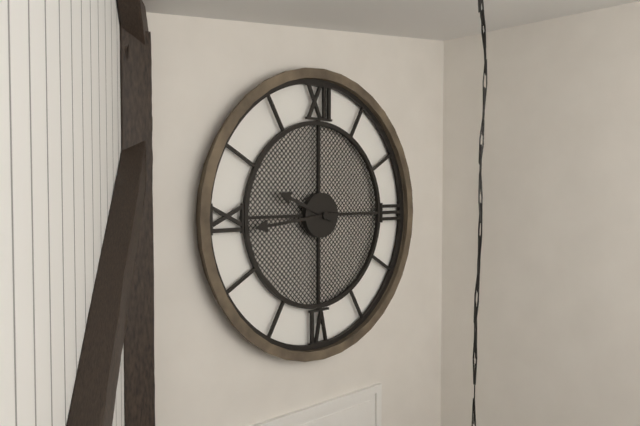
9:44
